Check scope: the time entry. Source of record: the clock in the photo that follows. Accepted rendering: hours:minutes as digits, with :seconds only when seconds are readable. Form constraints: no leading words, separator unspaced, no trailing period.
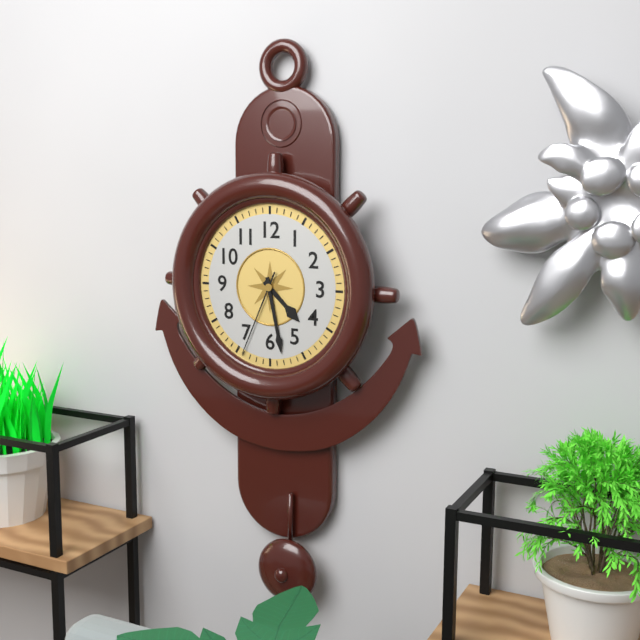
4:28:34
